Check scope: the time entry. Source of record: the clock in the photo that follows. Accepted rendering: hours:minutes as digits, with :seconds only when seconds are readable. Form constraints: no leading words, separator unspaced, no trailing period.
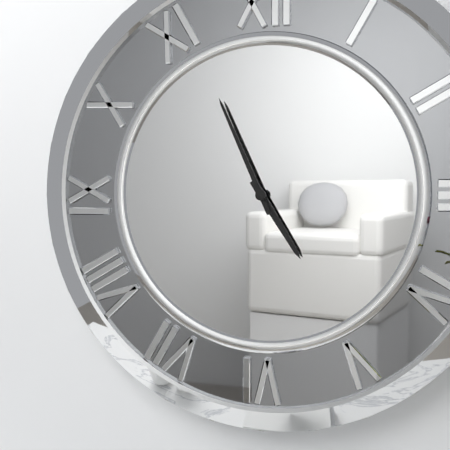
4:56
